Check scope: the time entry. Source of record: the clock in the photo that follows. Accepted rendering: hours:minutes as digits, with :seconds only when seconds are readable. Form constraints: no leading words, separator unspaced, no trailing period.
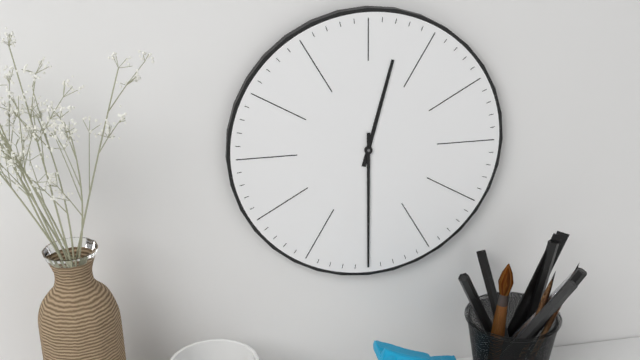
12:30
